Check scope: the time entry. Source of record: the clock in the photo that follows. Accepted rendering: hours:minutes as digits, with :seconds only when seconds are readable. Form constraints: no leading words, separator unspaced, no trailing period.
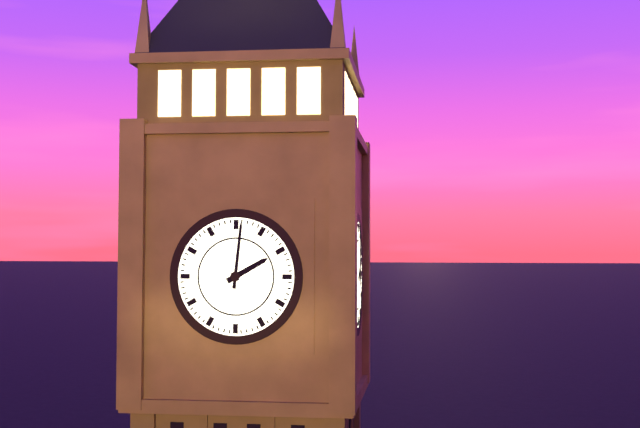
2:01
